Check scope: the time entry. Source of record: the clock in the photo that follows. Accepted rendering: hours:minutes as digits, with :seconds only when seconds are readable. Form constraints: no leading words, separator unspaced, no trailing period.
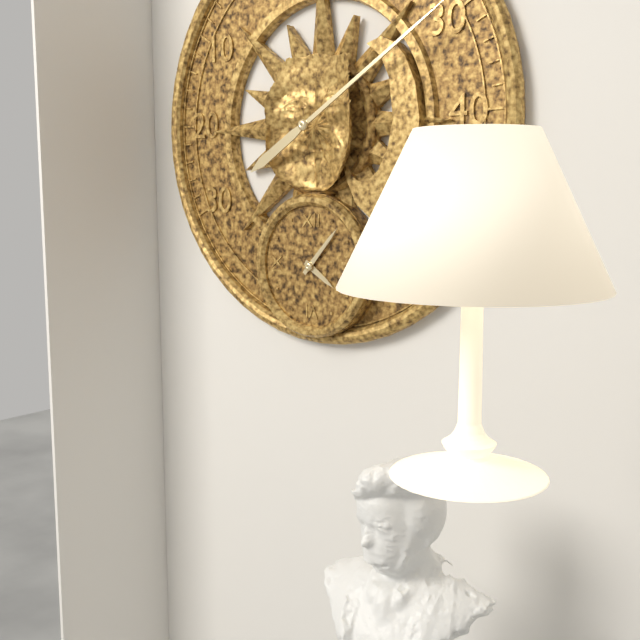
4:07
